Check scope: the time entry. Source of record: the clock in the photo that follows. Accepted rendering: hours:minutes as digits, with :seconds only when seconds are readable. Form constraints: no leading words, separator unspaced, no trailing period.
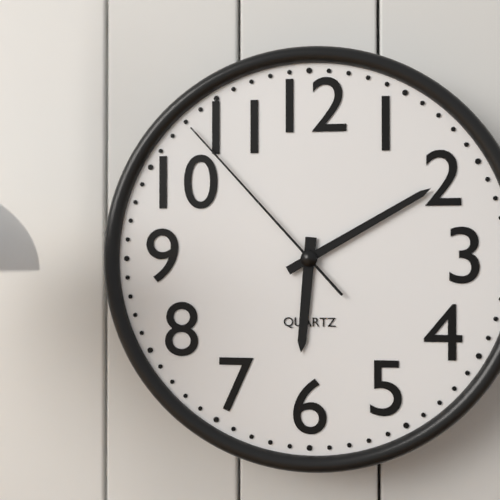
6:10:53
